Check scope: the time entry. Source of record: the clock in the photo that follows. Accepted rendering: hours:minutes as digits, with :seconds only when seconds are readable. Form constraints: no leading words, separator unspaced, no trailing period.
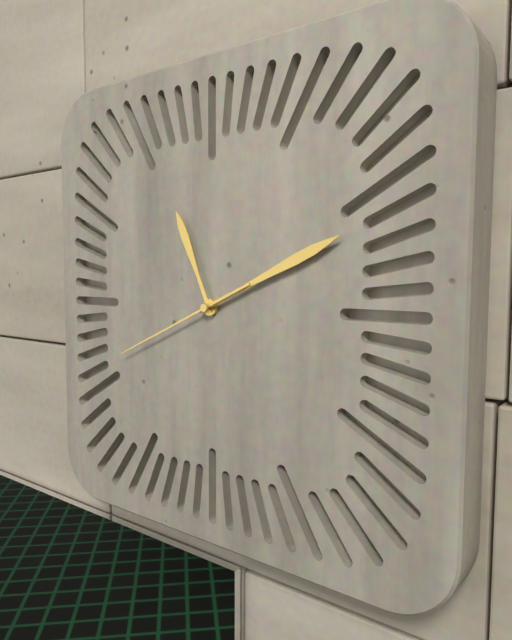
11:11:41
